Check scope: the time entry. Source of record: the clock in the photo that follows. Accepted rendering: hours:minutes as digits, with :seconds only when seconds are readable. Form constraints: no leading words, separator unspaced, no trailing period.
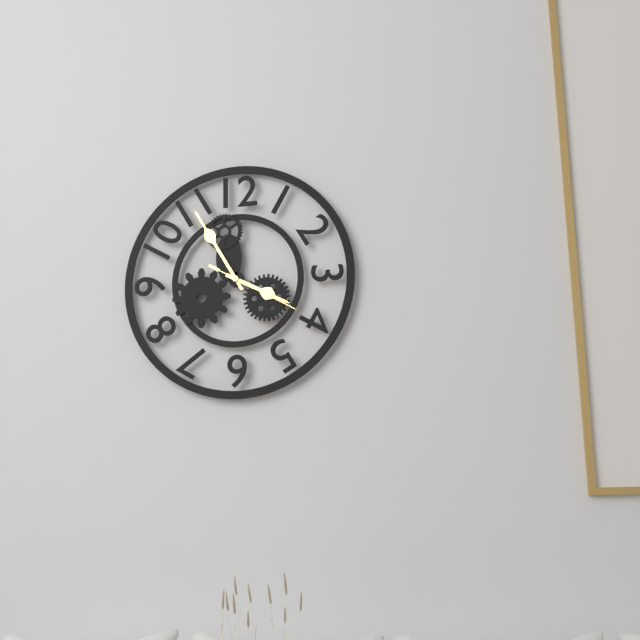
3:55:20
